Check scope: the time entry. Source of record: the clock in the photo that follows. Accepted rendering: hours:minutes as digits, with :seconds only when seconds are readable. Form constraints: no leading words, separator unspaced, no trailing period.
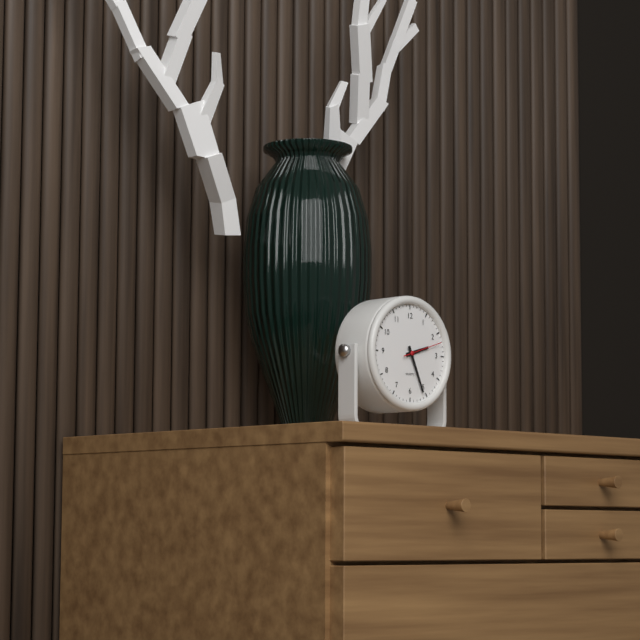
2:26
